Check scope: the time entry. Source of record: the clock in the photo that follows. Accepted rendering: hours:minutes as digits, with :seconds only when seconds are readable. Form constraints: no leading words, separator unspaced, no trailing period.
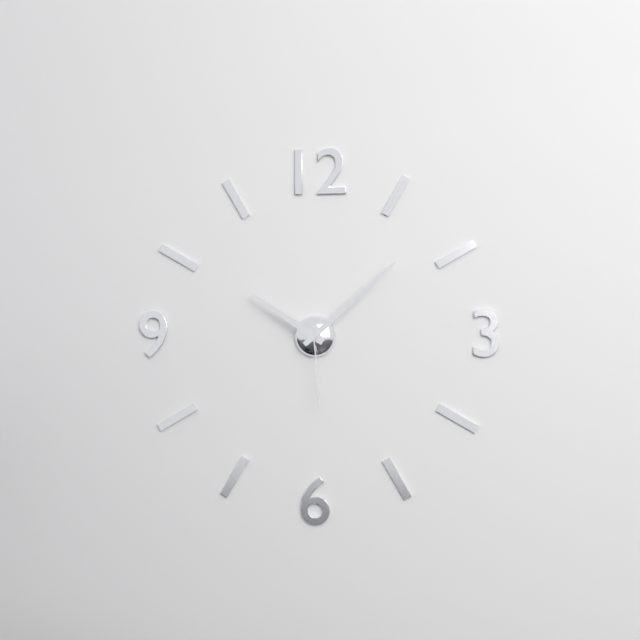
10:08:29
